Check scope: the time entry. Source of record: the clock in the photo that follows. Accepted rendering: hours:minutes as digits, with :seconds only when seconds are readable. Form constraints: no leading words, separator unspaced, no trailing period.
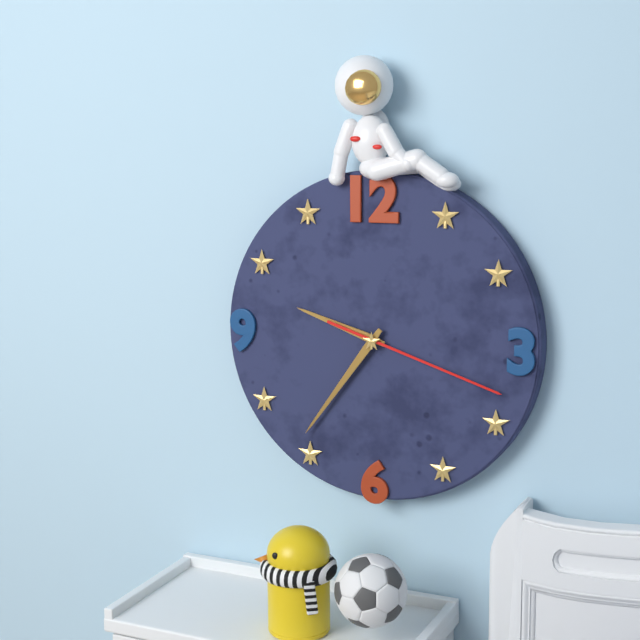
9:36:18
